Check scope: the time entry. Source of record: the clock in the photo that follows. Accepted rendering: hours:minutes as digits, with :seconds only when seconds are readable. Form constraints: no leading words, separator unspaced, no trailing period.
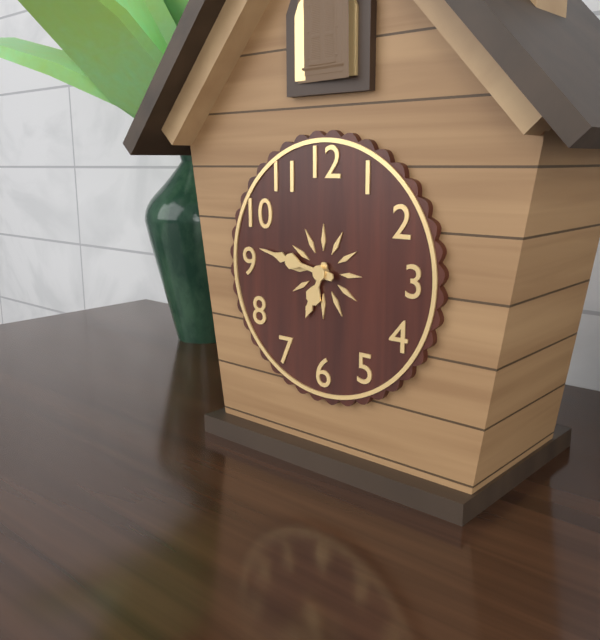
6:47
